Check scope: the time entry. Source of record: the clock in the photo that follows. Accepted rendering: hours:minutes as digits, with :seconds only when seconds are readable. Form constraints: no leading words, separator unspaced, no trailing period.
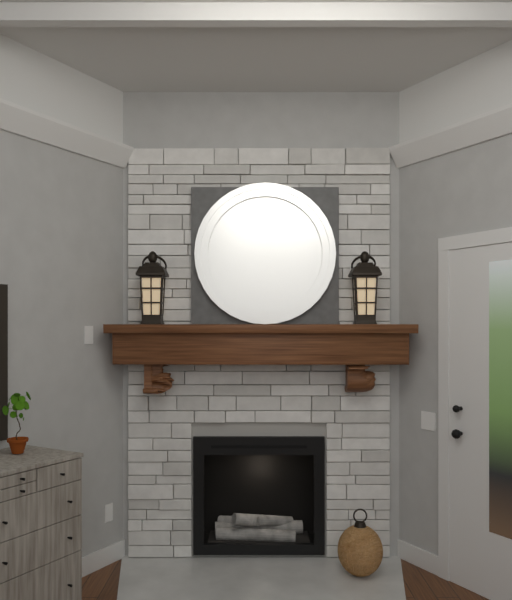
2:04
